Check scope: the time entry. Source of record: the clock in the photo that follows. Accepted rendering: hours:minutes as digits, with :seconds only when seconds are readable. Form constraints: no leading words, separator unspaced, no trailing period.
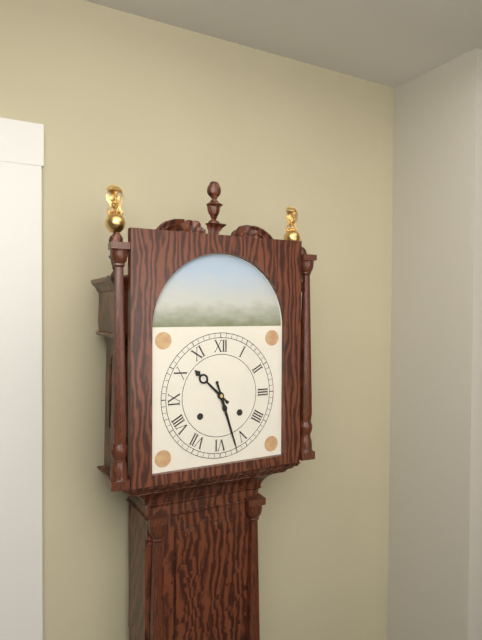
10:27
